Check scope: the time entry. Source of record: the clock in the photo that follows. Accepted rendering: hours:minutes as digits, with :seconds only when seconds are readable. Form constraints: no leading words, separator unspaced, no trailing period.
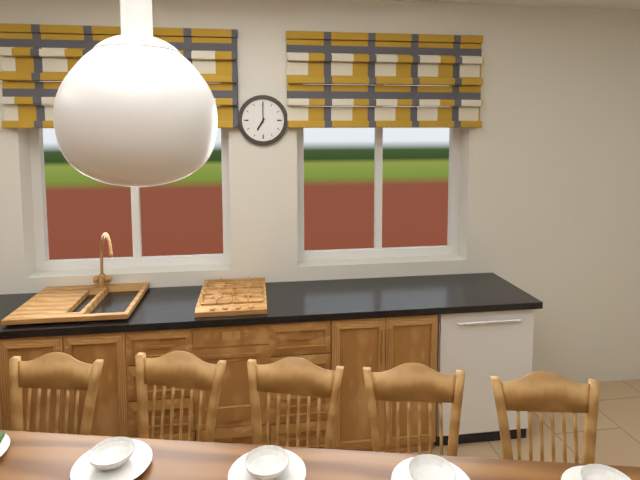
7:00
